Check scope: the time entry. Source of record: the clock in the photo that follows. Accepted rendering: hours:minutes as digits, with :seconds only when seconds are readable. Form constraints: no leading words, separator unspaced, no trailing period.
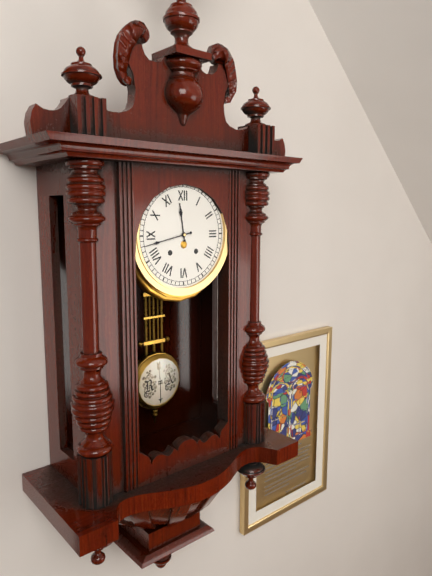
11:43
